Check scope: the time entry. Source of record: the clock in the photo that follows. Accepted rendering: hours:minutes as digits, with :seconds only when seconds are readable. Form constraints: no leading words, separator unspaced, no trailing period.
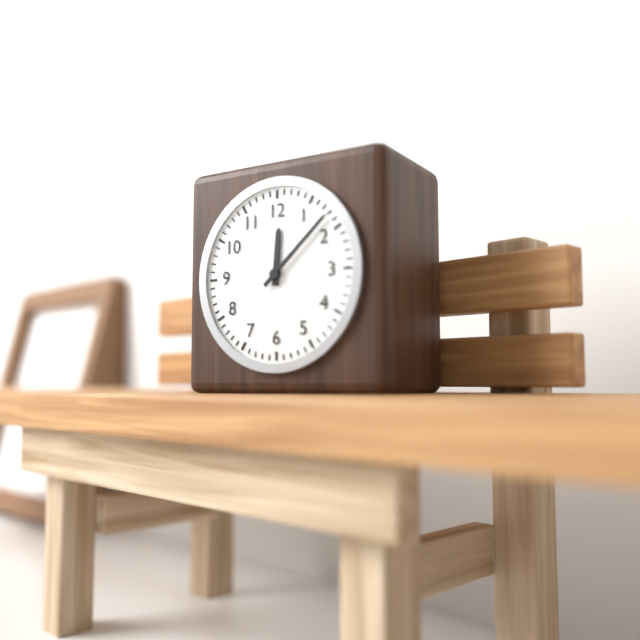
12:08
